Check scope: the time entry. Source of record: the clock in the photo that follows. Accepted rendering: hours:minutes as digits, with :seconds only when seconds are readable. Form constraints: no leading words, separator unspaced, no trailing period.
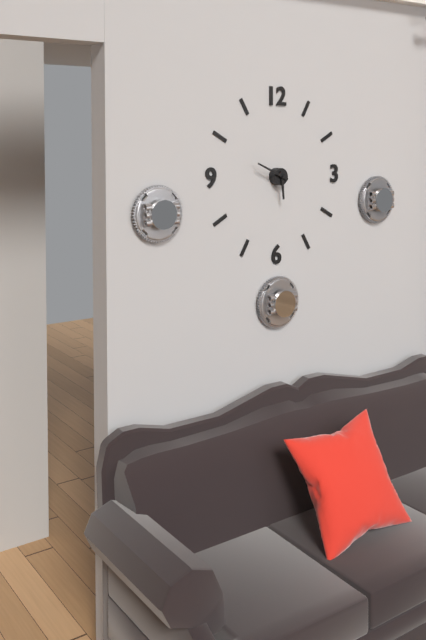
5:49
